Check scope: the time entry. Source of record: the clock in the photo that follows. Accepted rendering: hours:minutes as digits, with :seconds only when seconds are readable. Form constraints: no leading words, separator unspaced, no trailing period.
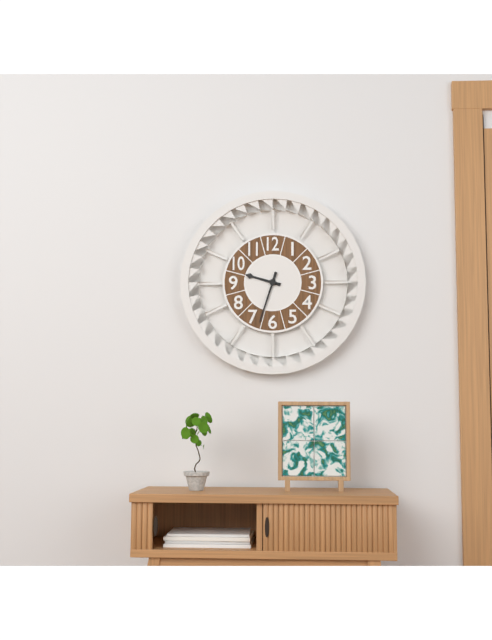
9:33
